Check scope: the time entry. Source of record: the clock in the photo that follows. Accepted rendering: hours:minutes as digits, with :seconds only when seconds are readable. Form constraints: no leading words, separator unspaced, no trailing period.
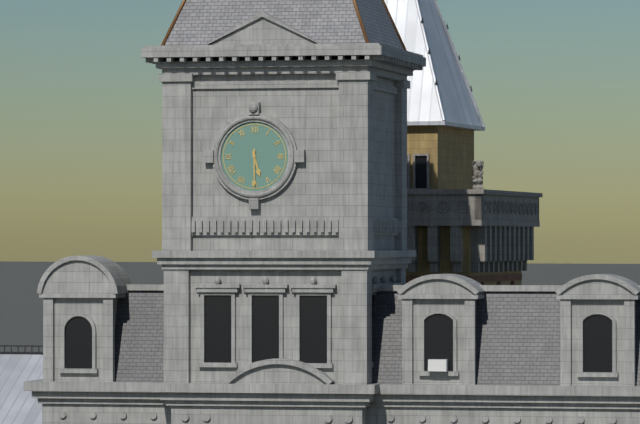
5:30
